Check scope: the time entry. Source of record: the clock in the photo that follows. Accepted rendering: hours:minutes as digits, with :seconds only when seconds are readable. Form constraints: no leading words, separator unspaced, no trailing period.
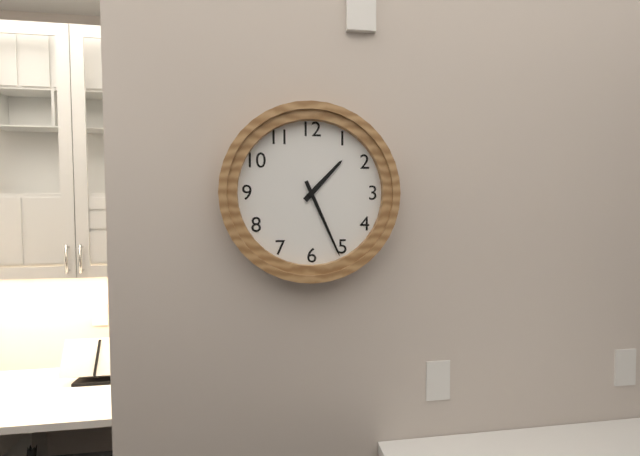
1:26
